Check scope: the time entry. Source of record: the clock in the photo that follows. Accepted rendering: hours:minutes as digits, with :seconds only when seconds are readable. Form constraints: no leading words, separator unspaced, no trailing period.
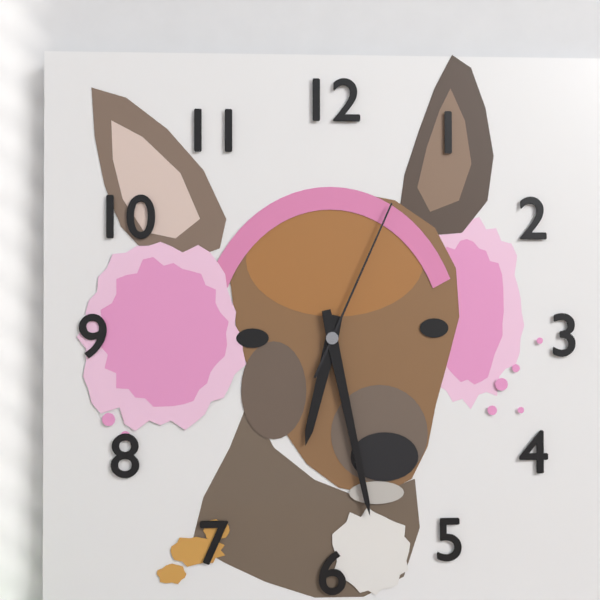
6:28:04
